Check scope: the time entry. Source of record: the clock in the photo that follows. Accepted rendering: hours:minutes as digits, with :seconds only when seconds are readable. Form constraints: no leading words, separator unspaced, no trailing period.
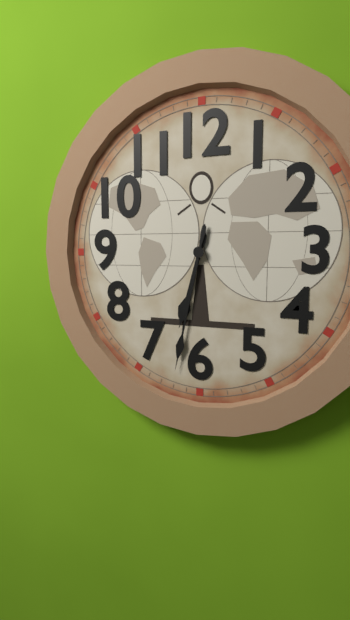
6:32
